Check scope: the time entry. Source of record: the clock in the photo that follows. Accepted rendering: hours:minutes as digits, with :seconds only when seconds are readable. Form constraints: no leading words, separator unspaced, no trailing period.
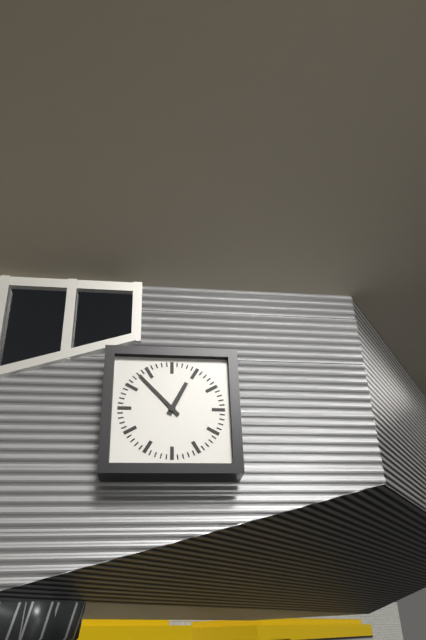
12:53
